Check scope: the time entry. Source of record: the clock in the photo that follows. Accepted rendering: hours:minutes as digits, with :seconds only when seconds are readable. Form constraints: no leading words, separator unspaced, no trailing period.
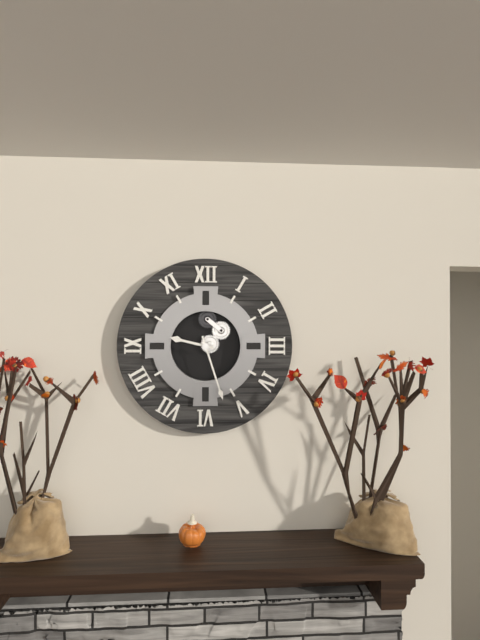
9:27
